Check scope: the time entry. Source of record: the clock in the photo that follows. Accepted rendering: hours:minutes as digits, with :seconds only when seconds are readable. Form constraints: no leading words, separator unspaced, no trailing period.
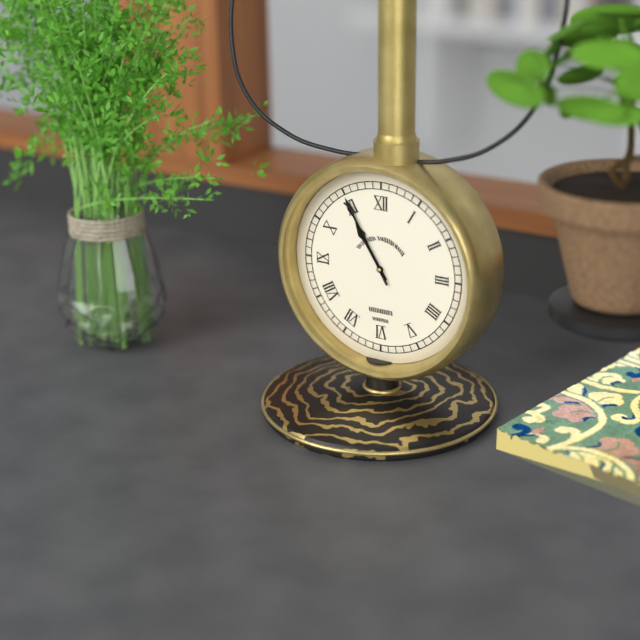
10:55
